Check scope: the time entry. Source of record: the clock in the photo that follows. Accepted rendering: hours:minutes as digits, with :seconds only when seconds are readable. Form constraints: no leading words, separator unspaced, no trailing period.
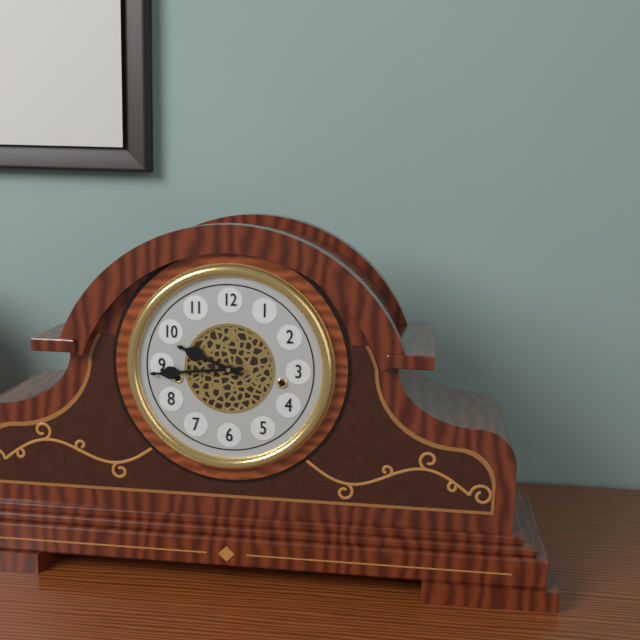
9:44
